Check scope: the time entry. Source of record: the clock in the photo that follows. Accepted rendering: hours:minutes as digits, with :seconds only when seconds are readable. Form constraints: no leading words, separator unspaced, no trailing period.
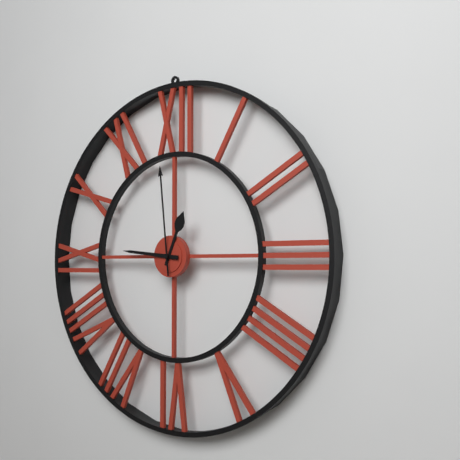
12:46:59
